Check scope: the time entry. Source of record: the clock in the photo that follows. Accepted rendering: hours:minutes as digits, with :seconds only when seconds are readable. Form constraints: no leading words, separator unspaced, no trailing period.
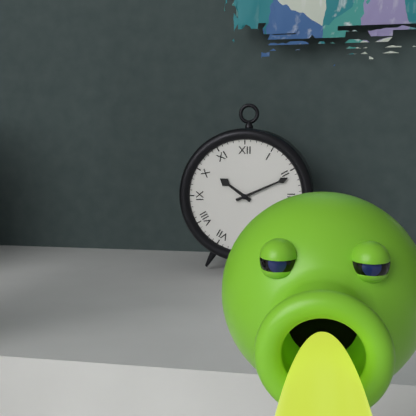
10:11
